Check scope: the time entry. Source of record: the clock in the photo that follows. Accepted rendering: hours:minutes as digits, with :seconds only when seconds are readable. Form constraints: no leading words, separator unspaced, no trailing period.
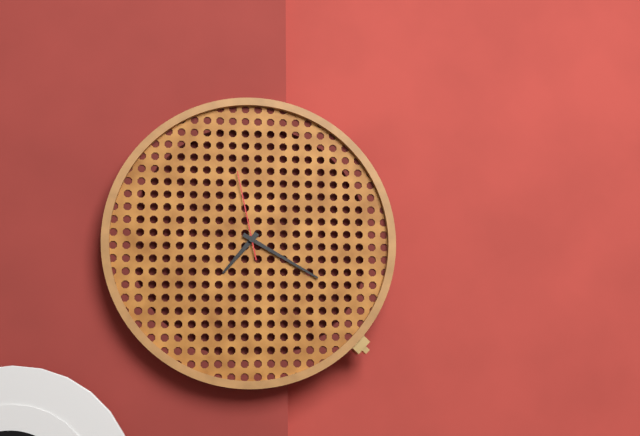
7:20:58
